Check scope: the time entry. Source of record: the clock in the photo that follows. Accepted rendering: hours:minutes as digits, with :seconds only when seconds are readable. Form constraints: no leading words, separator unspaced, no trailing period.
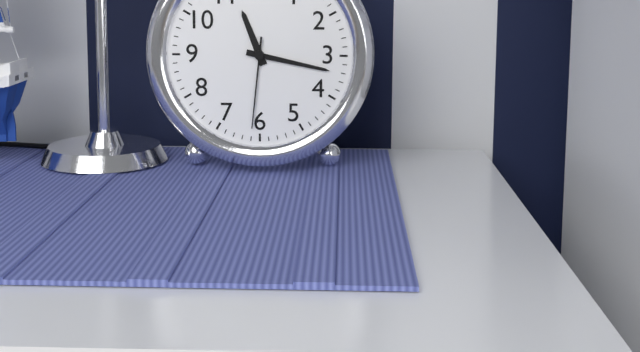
11:17:31
